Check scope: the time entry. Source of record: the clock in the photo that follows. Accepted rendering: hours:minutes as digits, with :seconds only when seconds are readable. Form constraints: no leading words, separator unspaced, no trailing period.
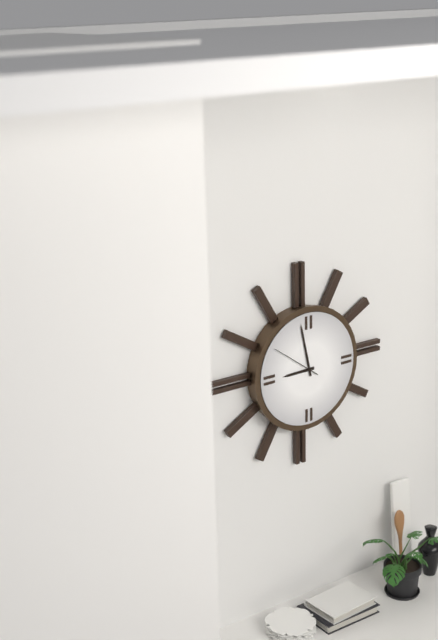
8:58
